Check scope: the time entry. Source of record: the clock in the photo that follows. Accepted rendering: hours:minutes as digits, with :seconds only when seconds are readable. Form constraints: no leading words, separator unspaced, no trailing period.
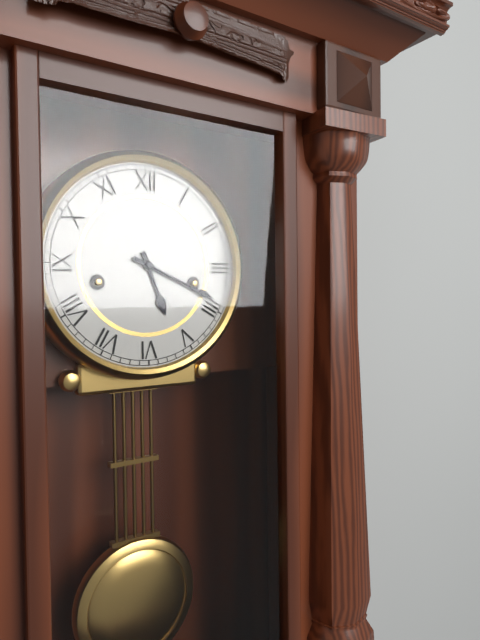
5:19
